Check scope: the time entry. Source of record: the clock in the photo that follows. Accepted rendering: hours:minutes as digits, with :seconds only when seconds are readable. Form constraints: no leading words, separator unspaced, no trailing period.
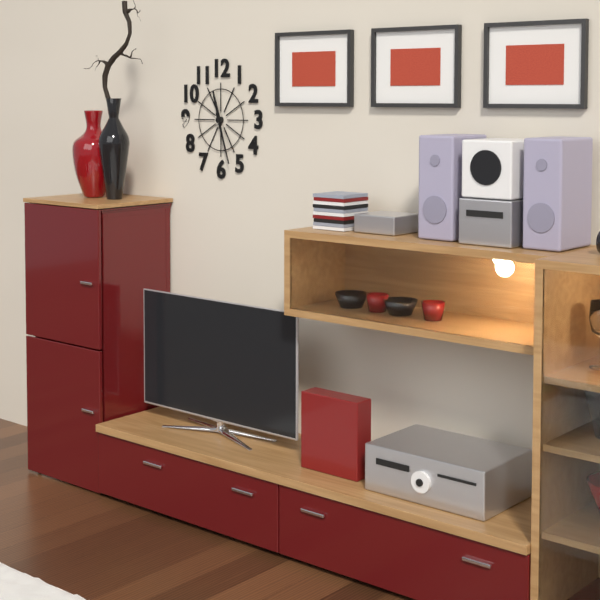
11:27
